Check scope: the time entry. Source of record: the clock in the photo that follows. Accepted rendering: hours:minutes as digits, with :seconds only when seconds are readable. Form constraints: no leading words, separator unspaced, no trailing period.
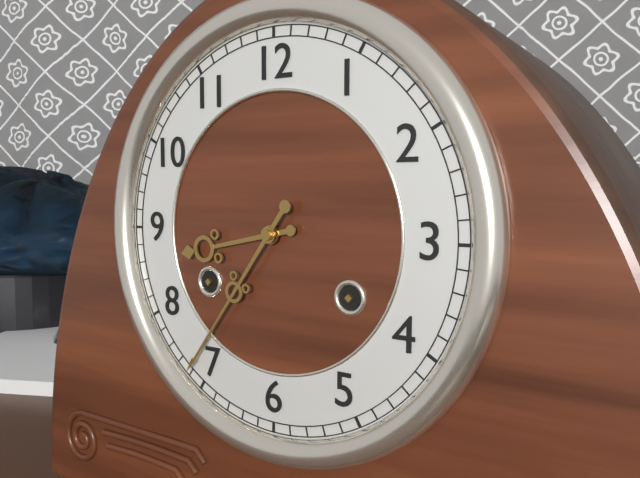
8:36
